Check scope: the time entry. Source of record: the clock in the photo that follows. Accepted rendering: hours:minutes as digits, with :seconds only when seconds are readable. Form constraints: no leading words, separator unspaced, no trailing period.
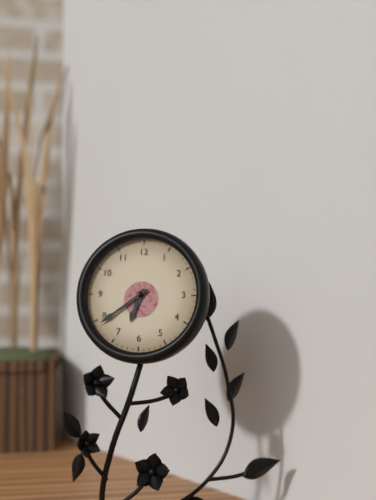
6:39
